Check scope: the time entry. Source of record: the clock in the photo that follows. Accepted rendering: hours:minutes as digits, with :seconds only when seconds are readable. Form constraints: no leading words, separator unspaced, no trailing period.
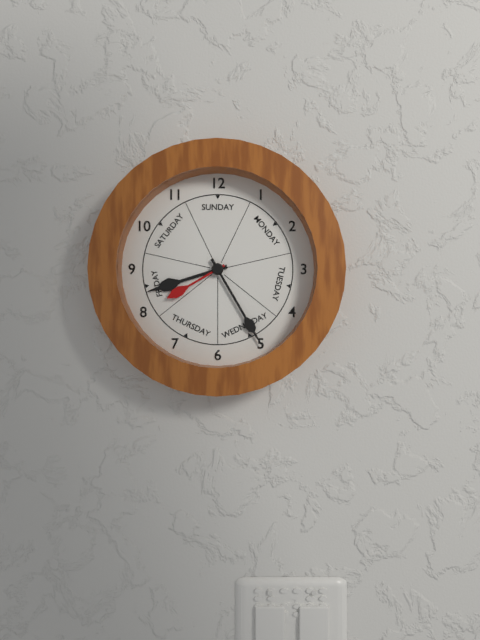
8:25:40
